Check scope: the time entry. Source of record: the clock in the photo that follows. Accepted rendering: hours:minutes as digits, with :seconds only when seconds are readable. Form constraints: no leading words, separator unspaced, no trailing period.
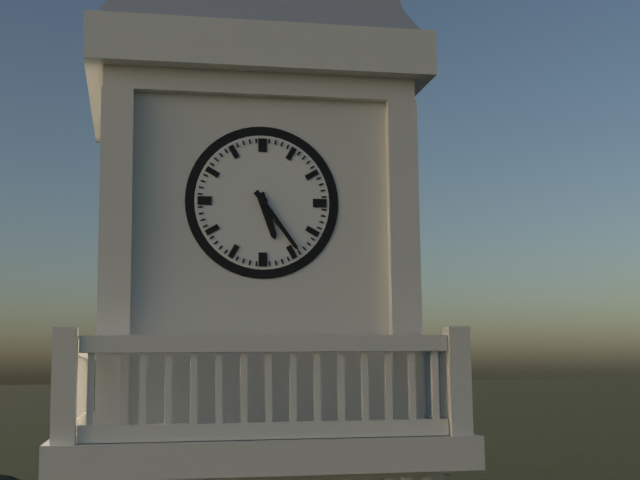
5:24
